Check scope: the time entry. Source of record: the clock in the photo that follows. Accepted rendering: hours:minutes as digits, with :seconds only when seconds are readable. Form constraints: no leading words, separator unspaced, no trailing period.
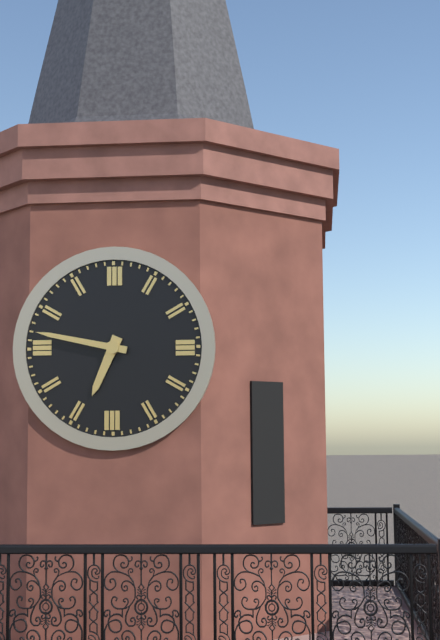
6:47
